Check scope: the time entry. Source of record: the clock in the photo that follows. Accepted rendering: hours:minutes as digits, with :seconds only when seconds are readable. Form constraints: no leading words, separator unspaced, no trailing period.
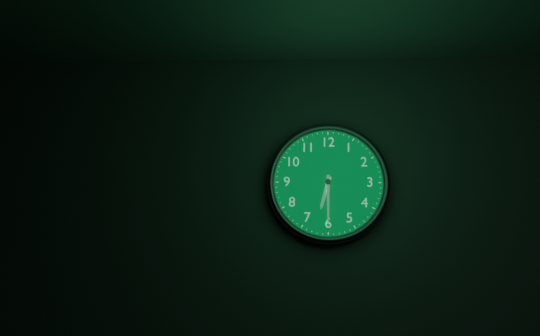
6:30
